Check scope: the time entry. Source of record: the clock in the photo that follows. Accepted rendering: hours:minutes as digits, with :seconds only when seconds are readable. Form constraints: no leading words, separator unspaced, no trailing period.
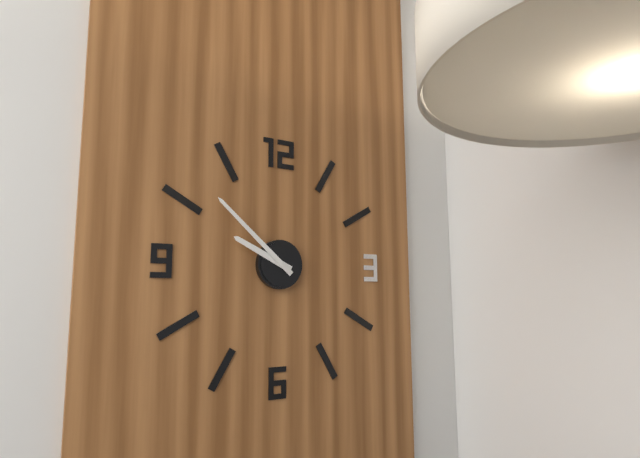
9:52
